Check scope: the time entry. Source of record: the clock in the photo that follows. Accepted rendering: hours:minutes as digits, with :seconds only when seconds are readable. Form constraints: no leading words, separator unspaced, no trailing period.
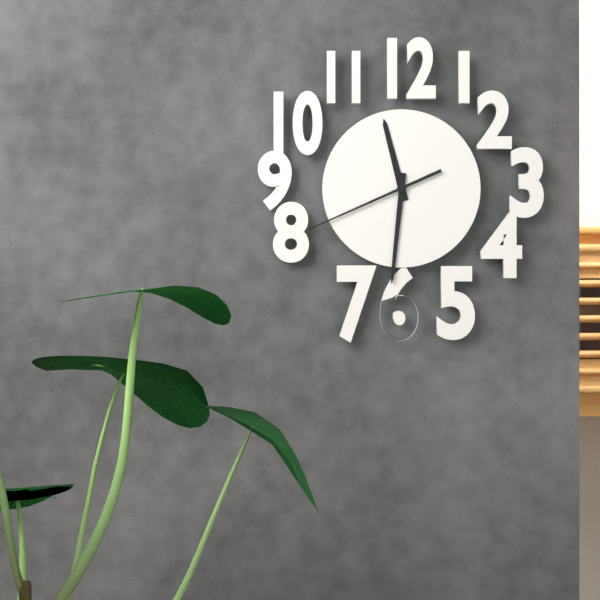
11:31:41
